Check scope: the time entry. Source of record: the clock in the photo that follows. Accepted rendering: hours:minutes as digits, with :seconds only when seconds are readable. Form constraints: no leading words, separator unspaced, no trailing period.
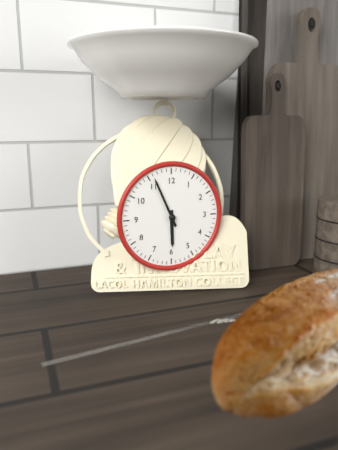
5:56
